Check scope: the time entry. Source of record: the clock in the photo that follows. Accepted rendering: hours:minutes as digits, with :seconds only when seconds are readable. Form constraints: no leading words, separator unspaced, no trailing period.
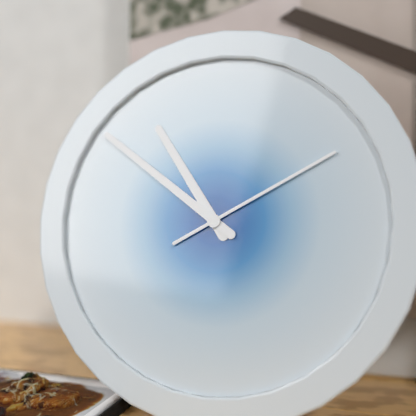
10:51:10
